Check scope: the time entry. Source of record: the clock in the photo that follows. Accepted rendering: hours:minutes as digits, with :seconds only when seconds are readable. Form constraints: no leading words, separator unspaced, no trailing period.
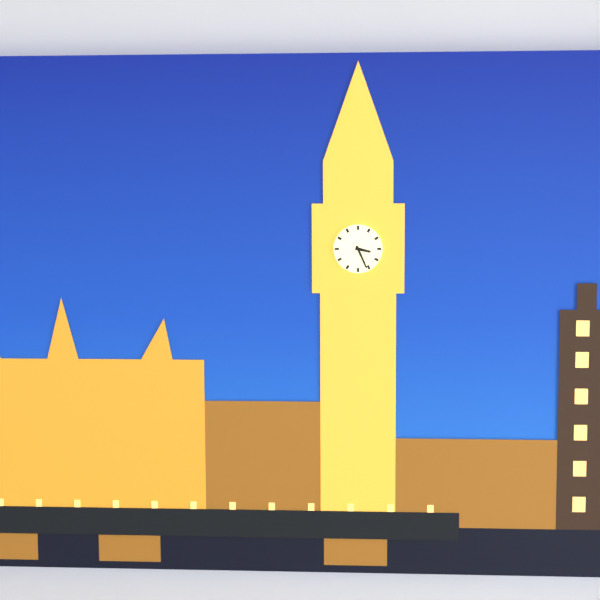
3:26
